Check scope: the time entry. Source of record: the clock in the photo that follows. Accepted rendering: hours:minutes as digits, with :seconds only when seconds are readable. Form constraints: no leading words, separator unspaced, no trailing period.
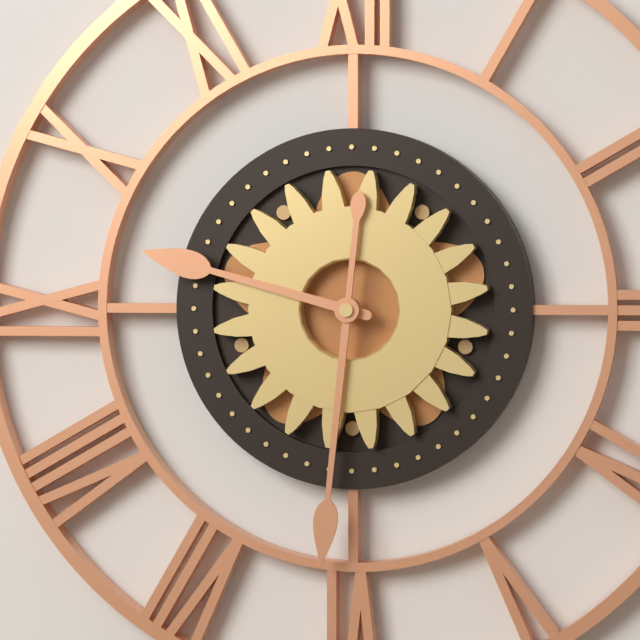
9:31
